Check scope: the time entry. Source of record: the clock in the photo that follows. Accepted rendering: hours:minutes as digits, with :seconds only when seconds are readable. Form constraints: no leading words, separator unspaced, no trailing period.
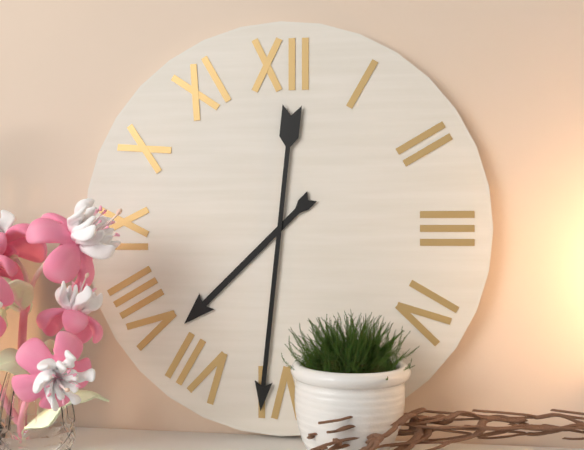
7:31
